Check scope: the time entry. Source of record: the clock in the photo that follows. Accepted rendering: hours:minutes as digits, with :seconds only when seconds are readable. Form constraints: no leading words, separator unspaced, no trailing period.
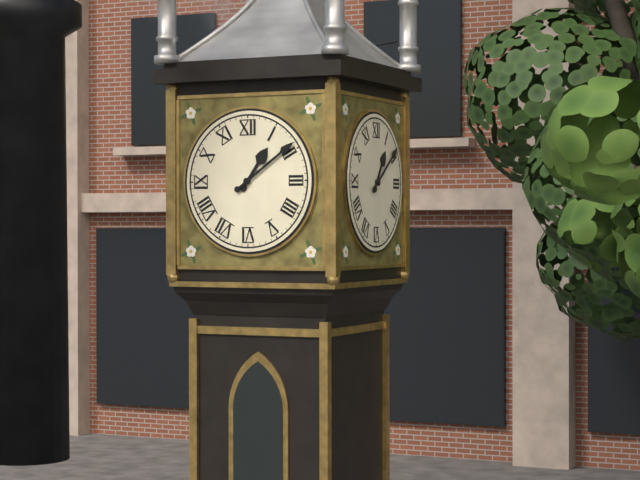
1:09
